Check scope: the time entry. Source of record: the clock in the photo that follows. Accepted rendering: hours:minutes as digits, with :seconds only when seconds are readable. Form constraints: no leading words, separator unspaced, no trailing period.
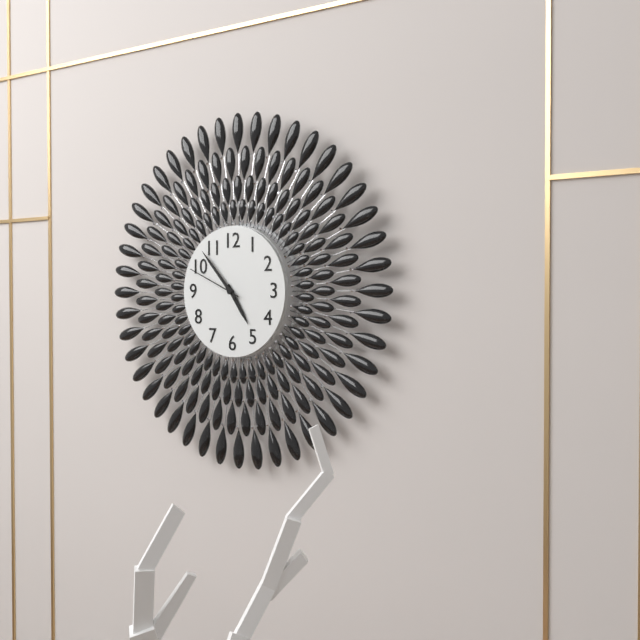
4:53:49
